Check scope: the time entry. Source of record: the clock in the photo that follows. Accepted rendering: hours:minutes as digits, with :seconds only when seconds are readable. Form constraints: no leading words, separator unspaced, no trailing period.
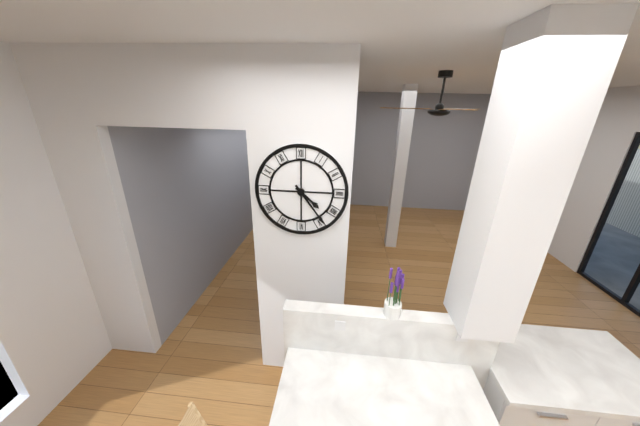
4:24
